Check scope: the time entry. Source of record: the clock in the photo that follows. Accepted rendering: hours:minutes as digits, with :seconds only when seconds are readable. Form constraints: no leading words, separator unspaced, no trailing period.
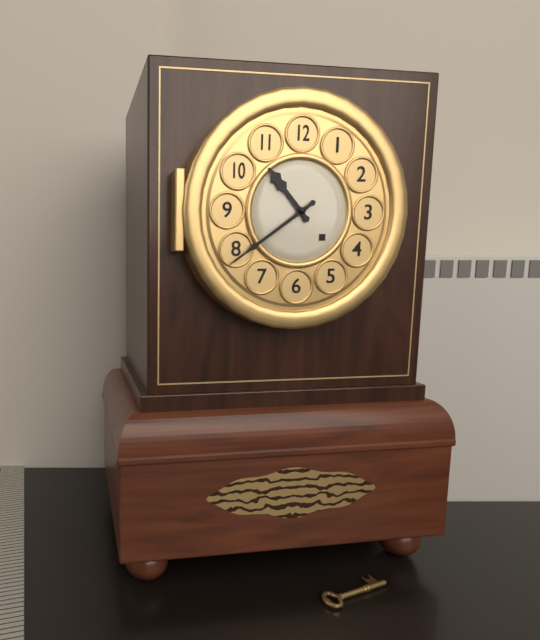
10:39
